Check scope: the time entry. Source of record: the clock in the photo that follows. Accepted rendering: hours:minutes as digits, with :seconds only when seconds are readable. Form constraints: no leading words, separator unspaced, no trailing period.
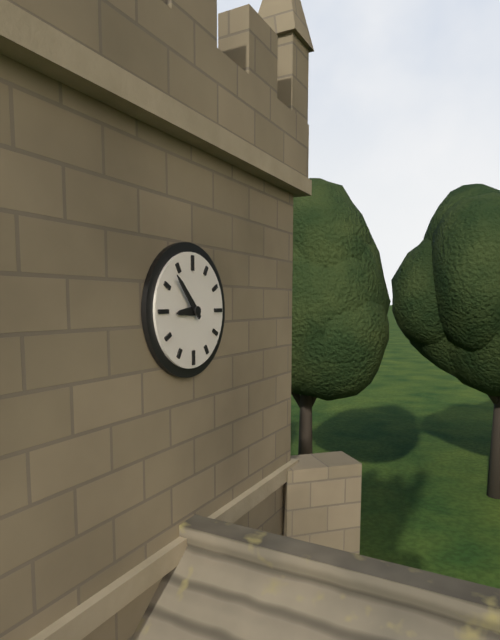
8:53
